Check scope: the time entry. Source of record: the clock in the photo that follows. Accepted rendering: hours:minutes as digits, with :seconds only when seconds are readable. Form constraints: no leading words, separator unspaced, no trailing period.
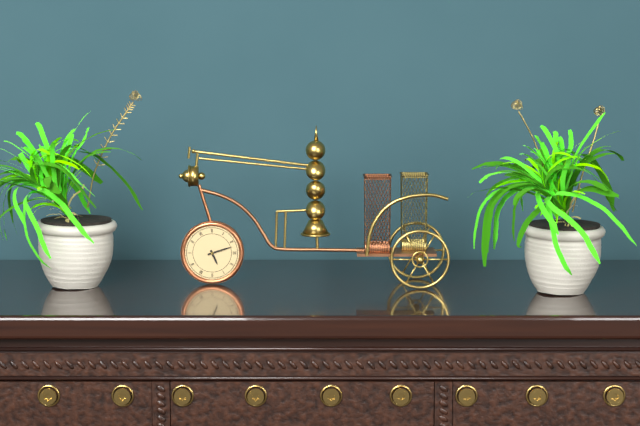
5:12
